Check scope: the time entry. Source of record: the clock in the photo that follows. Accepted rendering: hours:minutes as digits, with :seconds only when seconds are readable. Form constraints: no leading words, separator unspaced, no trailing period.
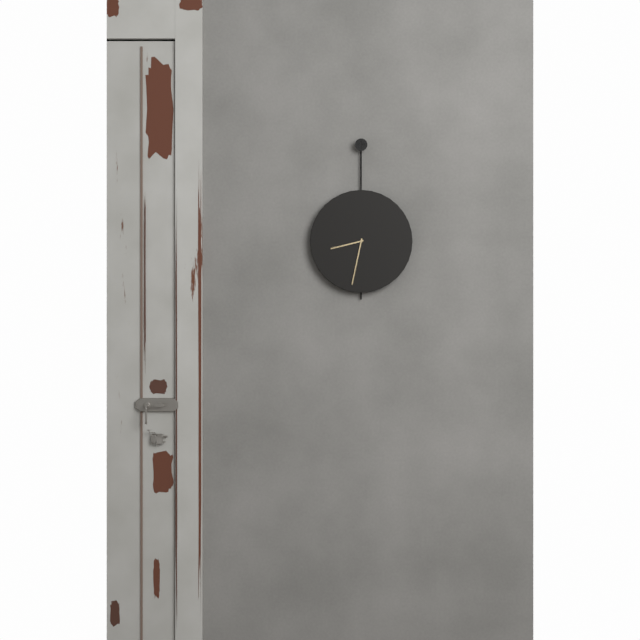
8:32
